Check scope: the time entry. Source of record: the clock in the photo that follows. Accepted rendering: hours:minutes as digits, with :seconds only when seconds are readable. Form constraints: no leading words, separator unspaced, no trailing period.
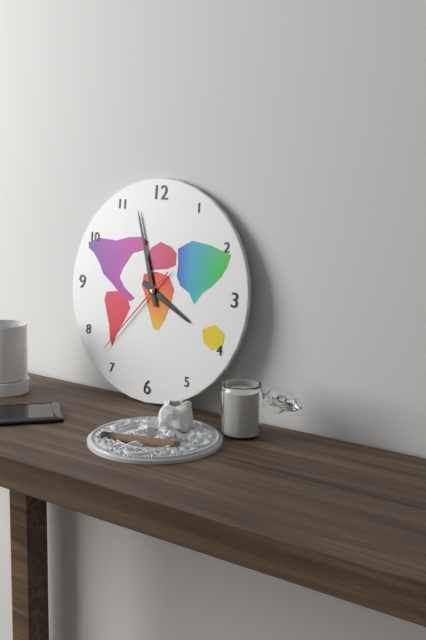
3:57:37
